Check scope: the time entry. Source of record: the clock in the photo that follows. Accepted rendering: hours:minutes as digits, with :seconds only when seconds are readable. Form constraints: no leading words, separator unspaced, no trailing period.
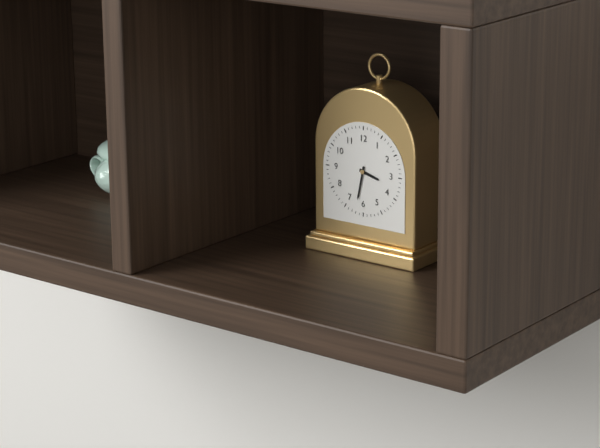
3:32
